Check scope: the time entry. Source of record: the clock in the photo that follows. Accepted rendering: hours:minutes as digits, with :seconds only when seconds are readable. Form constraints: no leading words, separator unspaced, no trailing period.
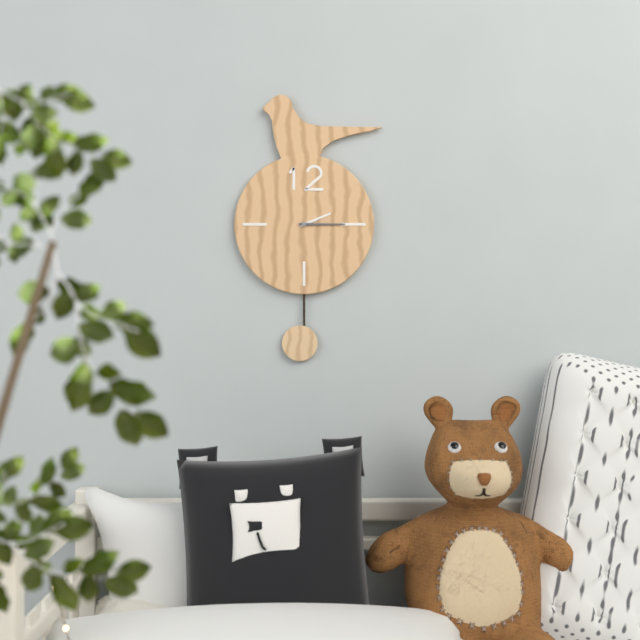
2:15
